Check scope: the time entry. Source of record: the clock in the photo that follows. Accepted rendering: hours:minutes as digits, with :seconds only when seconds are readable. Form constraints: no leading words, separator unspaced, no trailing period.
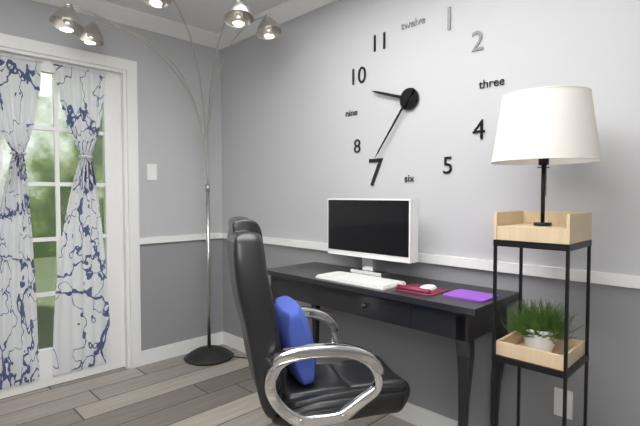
9:36
